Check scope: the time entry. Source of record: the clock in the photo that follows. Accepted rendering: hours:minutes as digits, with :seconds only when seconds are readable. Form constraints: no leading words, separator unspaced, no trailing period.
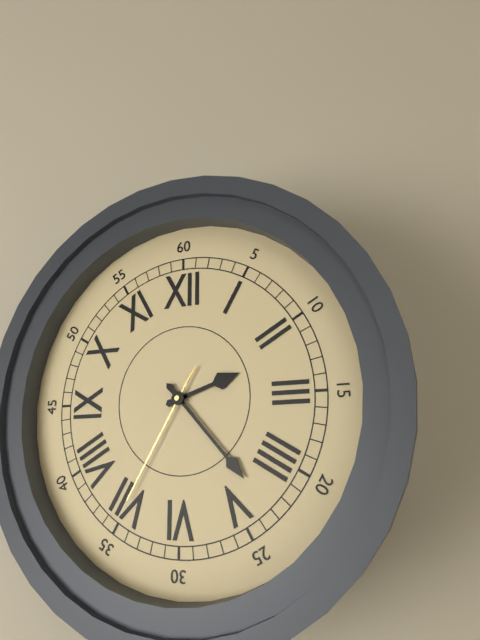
2:23:35
